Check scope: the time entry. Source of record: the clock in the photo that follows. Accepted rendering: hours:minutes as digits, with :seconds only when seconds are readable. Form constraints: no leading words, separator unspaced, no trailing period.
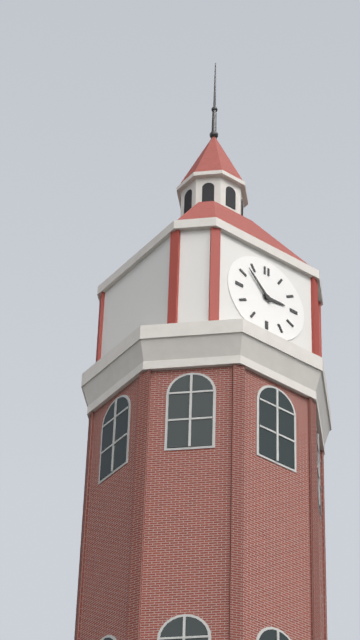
2:53
